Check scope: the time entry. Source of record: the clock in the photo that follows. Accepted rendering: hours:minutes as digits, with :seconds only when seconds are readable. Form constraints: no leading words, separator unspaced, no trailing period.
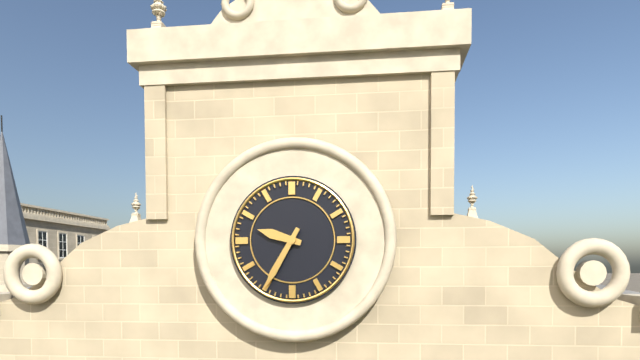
9:35
